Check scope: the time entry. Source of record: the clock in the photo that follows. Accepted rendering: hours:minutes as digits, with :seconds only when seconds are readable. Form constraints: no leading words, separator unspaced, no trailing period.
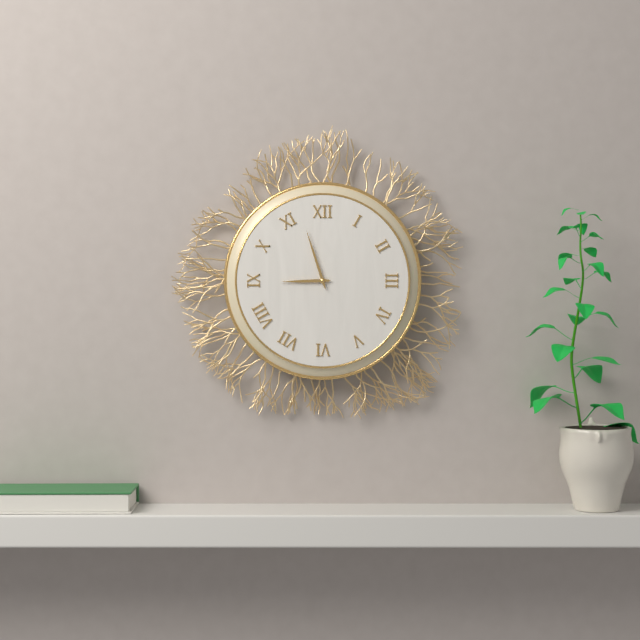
8:57
